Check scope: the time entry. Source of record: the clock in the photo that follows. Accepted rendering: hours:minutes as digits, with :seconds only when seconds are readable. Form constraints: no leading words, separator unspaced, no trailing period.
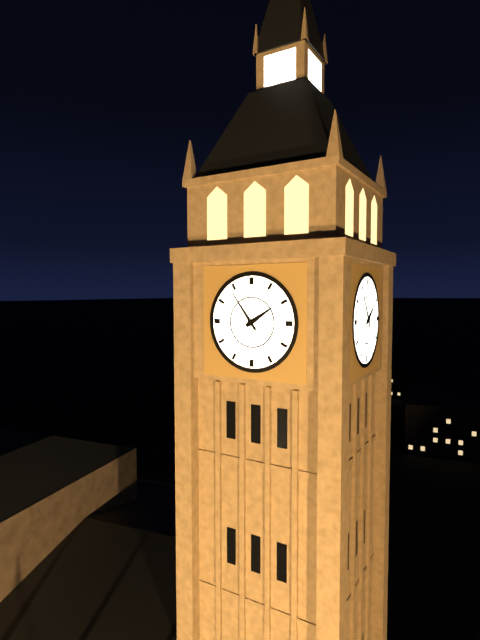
1:54
